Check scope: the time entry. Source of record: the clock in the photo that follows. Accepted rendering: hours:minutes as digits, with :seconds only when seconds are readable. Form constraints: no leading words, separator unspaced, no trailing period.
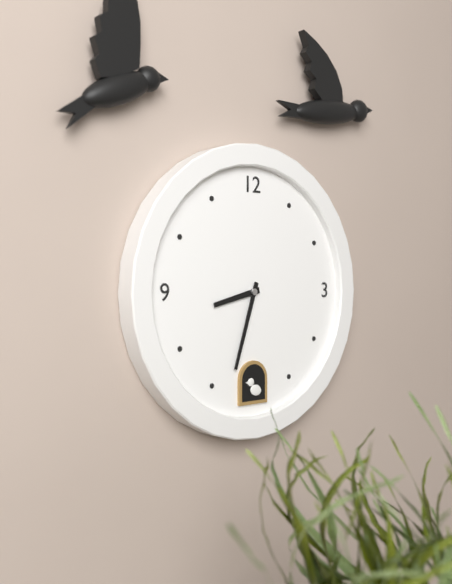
8:33
